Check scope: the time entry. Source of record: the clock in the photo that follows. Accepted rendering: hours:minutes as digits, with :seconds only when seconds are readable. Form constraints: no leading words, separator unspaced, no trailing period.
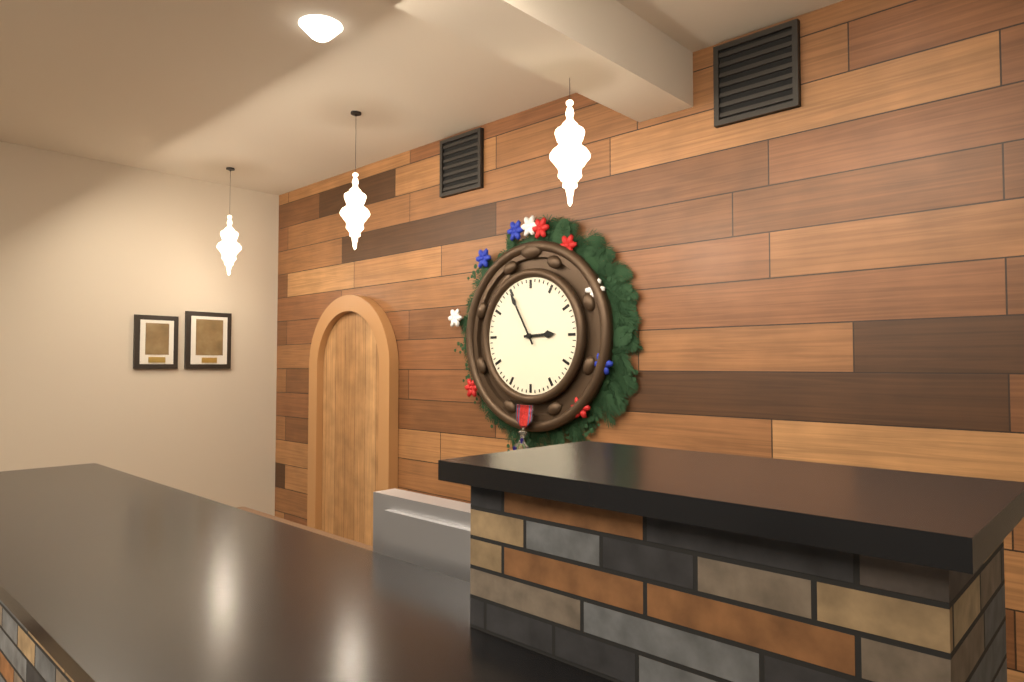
2:55
